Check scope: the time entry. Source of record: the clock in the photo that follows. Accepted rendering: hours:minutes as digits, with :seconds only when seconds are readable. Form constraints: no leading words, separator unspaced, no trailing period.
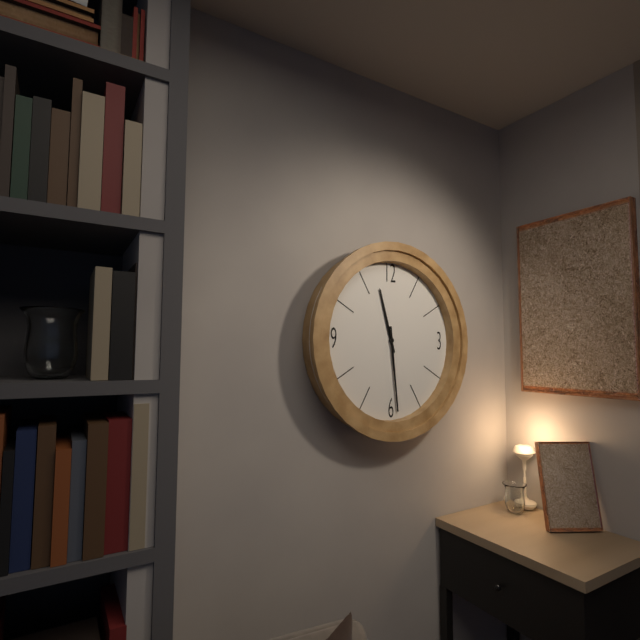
11:29
